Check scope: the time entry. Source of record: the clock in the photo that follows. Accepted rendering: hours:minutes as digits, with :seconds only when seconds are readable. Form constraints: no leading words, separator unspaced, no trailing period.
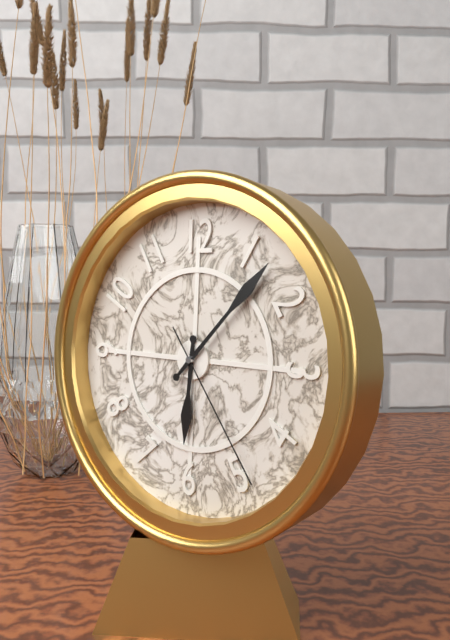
6:07:24
